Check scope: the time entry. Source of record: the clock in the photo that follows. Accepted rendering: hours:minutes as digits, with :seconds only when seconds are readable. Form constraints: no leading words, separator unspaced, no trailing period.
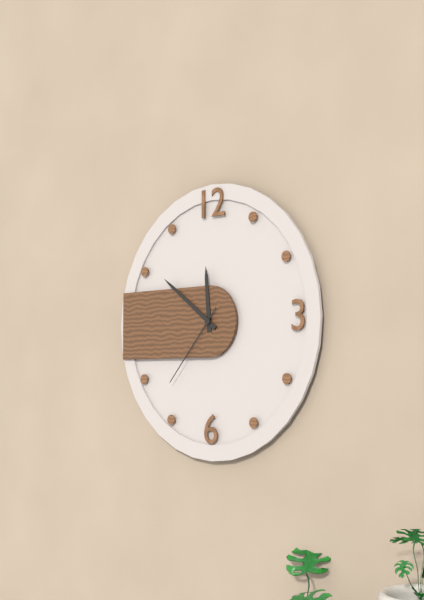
11:51:37
